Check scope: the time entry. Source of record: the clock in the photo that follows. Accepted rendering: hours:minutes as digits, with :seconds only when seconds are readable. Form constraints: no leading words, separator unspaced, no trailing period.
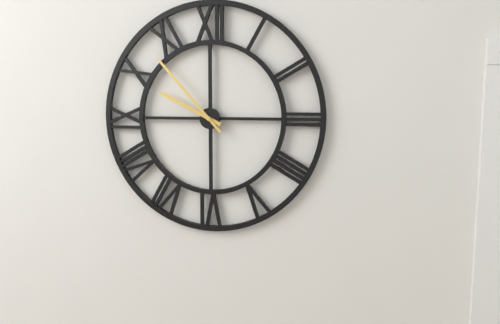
9:53
